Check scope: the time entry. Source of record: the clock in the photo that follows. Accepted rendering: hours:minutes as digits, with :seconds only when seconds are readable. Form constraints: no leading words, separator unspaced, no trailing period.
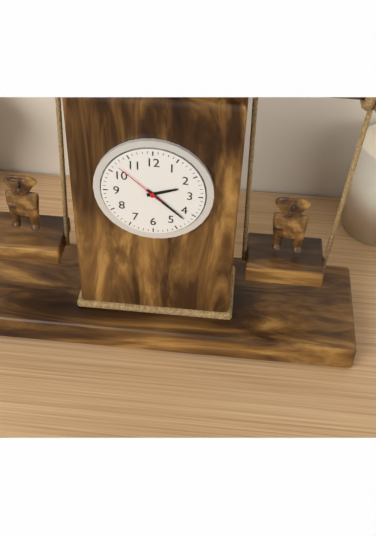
2:22:52
